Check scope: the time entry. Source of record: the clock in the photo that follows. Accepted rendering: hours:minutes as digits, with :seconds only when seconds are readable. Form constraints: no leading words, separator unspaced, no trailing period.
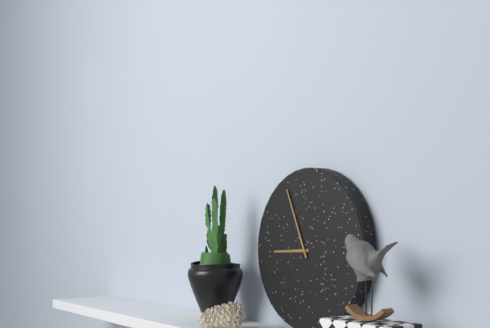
8:56
